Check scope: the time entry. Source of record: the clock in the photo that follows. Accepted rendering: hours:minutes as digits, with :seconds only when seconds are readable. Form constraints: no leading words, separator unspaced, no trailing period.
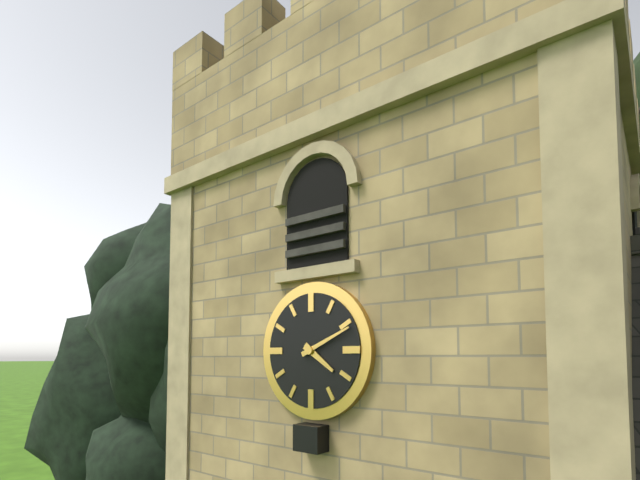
4:11
